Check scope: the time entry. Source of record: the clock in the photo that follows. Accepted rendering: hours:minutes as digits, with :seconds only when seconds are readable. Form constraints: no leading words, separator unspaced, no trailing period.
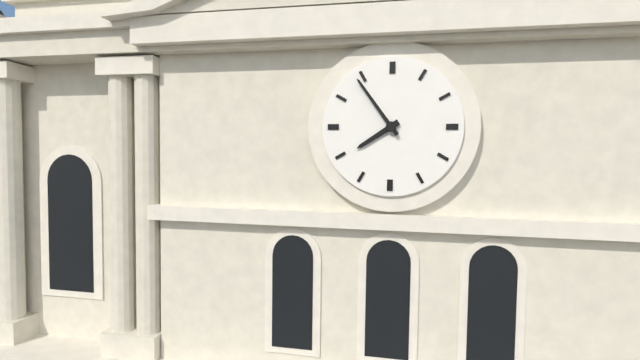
7:54
